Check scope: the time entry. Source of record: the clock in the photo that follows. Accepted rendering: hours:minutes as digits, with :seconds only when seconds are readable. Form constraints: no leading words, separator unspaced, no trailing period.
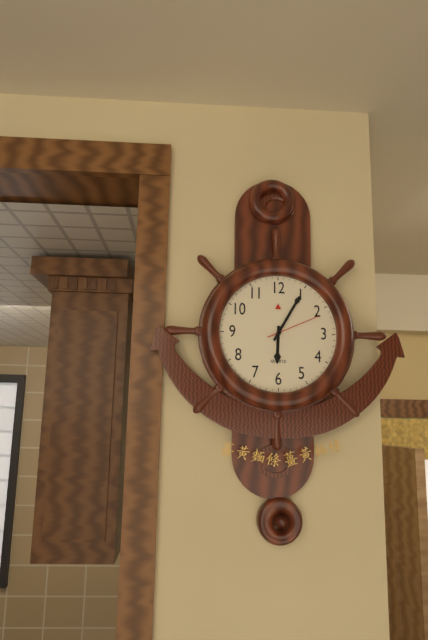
6:05:11
